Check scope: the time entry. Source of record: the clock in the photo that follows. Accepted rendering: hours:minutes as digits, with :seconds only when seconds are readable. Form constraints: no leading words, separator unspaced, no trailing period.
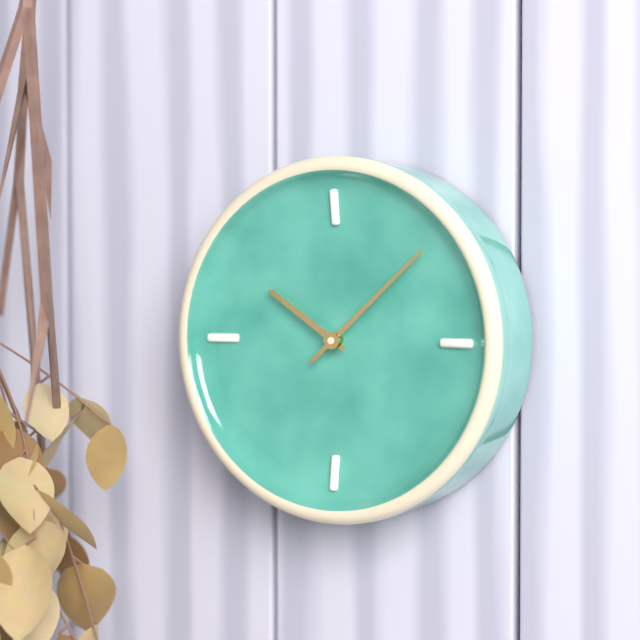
10:08
